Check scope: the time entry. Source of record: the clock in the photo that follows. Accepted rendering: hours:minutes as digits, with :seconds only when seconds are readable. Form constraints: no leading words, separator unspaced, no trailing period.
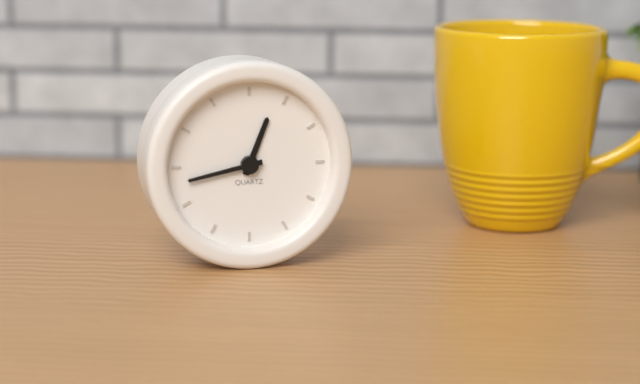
12:43
